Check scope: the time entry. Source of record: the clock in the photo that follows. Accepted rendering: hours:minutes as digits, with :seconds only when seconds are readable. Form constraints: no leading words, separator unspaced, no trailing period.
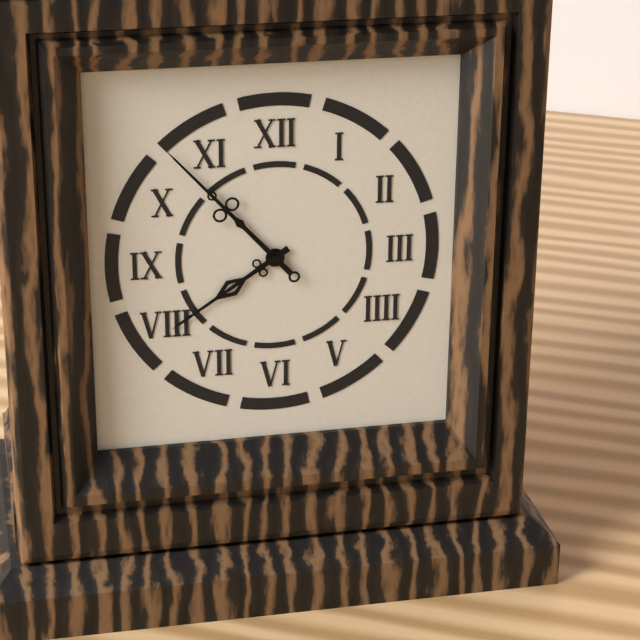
7:53
